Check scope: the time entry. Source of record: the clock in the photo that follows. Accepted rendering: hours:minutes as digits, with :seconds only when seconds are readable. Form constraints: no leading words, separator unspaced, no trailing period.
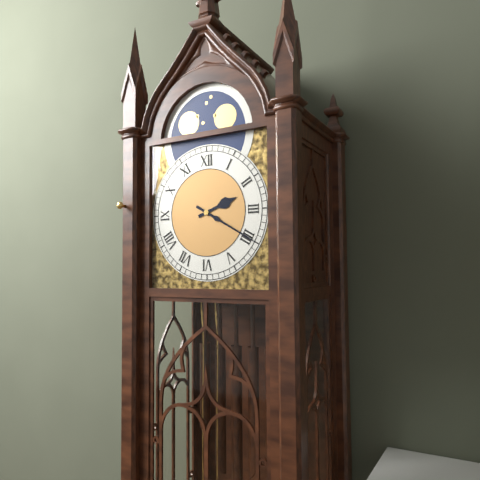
2:20
